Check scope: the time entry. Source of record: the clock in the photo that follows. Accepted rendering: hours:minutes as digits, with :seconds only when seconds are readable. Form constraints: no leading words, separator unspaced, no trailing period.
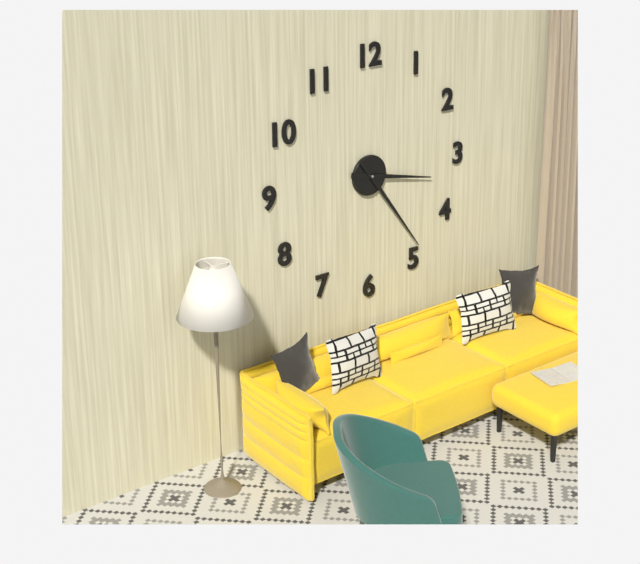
3:24
